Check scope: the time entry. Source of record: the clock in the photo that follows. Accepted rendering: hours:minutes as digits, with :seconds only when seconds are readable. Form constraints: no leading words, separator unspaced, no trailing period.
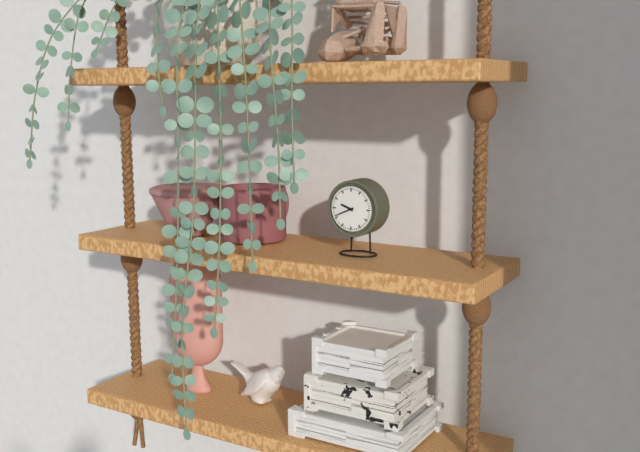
9:41
